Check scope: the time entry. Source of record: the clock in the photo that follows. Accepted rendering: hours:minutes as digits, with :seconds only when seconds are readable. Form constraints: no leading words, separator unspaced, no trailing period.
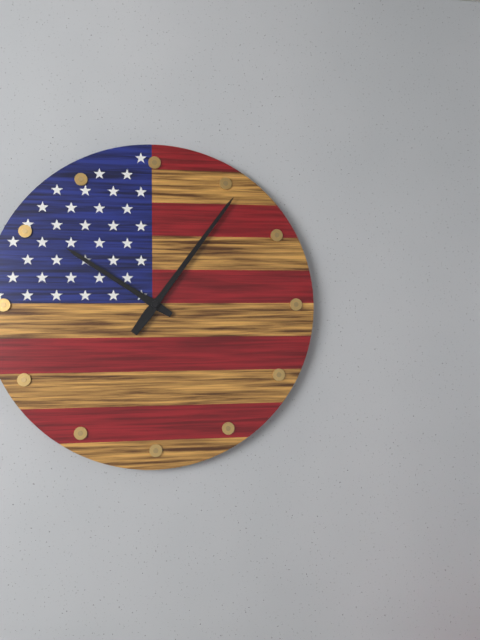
10:06
